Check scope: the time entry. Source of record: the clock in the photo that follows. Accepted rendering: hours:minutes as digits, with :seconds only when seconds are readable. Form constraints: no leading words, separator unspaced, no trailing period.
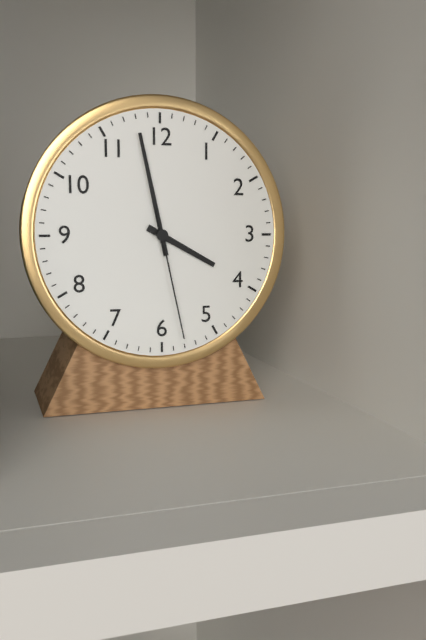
3:58:28
